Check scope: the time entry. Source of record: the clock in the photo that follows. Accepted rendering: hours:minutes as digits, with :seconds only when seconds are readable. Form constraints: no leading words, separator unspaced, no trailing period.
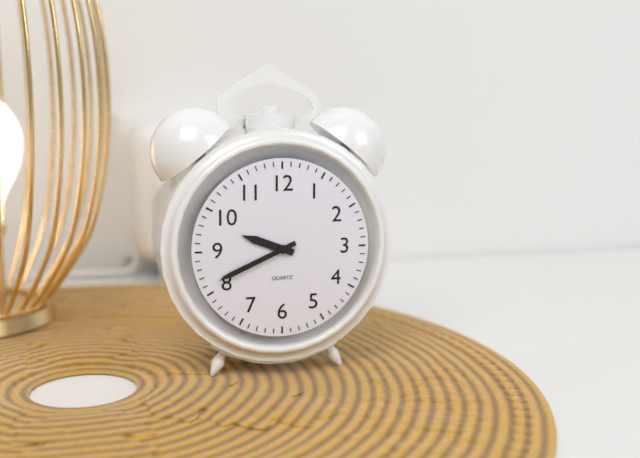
9:41
